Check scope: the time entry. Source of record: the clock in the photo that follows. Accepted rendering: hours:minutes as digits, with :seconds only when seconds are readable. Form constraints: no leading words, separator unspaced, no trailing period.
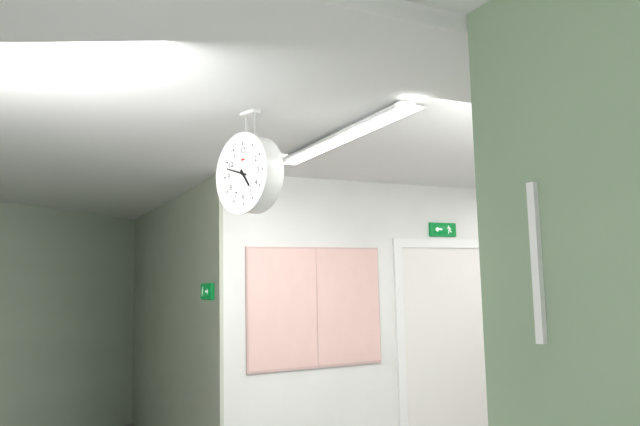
4:48
